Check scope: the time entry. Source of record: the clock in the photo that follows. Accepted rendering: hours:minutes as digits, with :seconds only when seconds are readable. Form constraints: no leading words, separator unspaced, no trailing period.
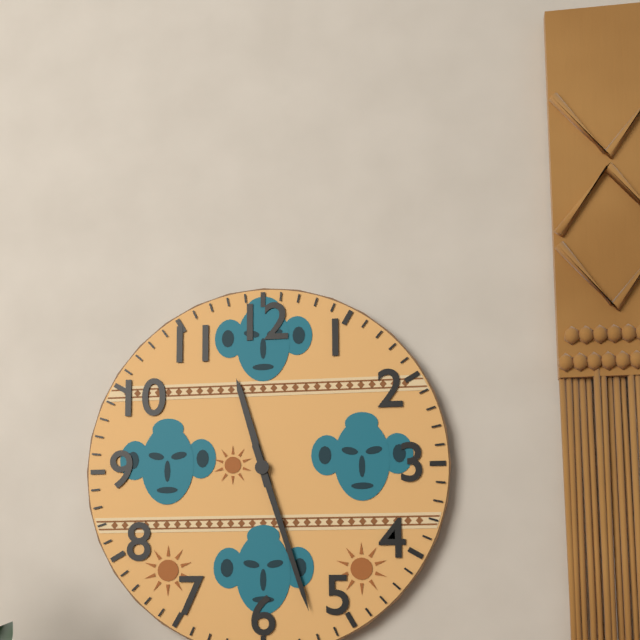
11:27
